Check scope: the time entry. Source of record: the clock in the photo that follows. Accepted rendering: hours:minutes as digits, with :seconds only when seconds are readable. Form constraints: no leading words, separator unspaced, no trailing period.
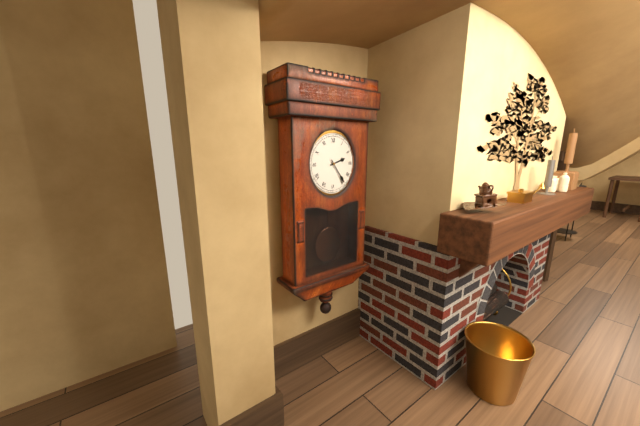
2:24
